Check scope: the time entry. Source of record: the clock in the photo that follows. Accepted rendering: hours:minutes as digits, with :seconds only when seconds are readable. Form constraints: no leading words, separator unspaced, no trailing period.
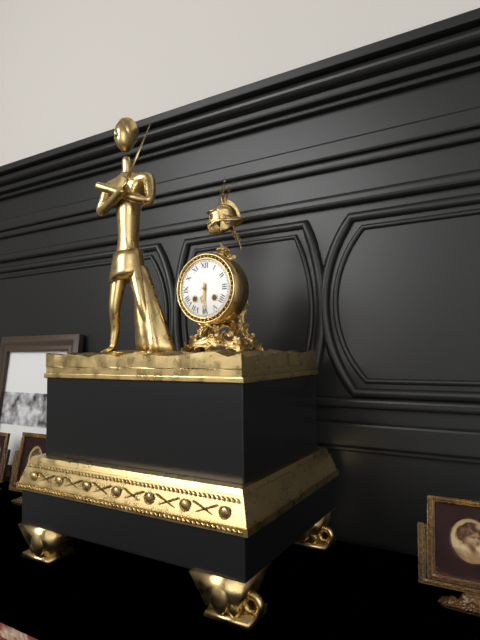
6:30
